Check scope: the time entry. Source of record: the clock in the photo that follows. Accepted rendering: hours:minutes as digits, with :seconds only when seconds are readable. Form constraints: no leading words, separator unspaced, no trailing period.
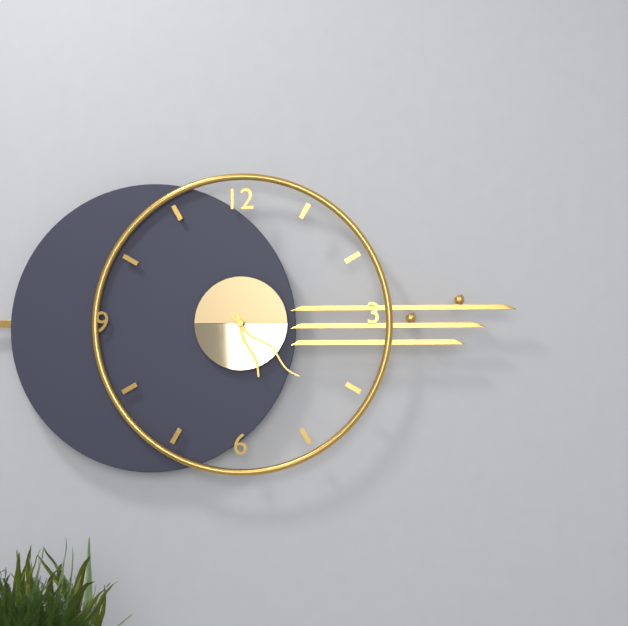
5:22
